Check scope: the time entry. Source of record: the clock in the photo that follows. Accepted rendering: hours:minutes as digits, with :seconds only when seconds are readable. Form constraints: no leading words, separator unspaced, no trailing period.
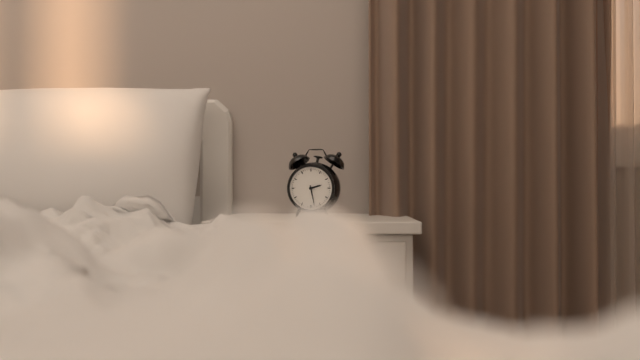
2:28
